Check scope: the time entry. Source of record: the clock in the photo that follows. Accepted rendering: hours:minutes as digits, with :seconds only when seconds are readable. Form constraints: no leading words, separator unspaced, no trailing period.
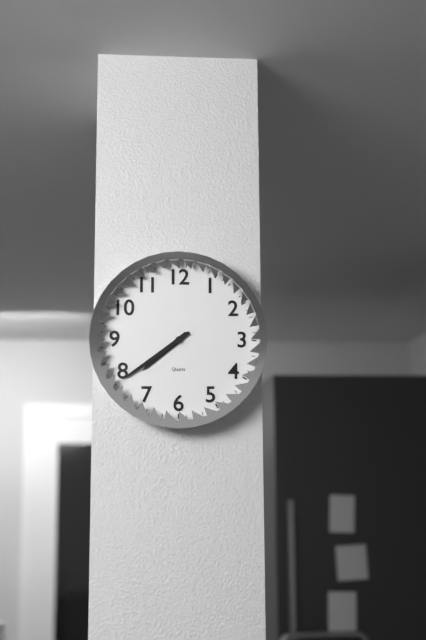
7:39
